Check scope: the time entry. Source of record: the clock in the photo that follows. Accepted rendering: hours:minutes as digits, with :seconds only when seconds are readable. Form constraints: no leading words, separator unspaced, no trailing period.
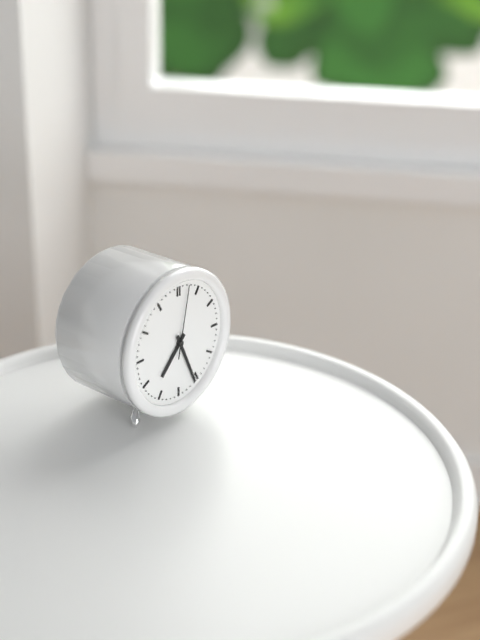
7:26:02
